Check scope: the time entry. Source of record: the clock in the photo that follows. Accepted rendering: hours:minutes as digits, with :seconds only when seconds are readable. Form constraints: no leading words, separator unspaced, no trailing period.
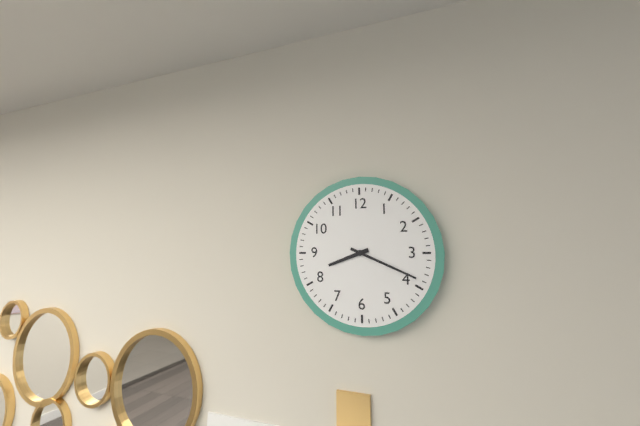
8:19
